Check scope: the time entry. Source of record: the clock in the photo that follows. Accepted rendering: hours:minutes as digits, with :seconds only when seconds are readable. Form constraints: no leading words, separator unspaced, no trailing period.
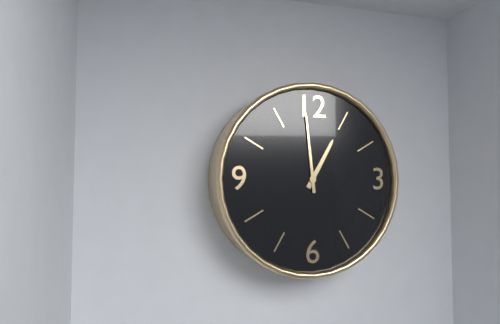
12:59
